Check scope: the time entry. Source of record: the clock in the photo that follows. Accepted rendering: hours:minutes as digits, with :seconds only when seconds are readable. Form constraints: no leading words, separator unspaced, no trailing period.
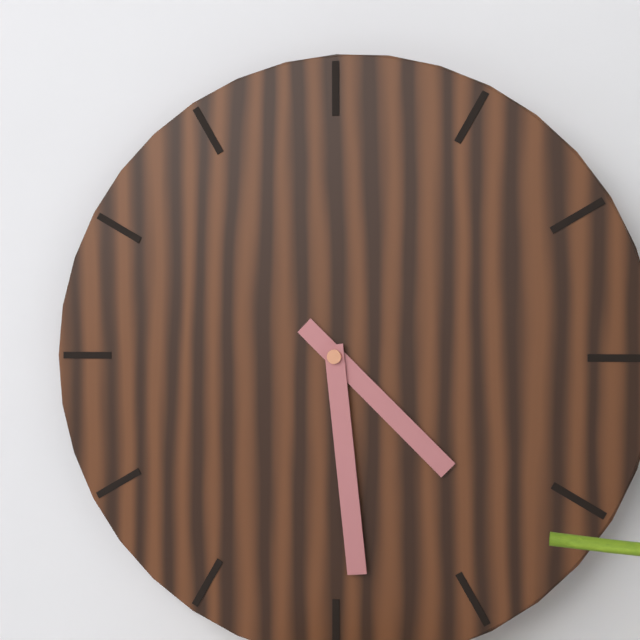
4:29
